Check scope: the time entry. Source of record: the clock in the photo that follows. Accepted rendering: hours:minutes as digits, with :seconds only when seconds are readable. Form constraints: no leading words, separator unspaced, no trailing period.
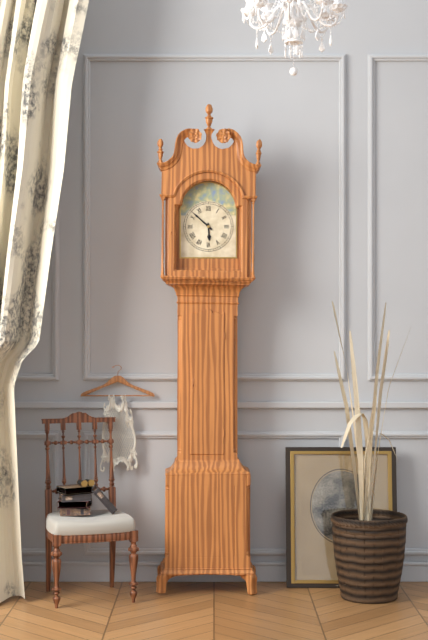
5:52
